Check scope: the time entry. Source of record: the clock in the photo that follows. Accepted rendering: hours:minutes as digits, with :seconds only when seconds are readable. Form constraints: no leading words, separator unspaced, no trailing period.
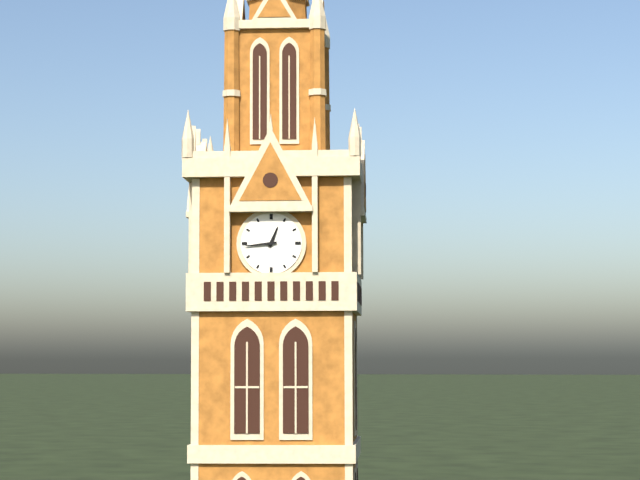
12:44
